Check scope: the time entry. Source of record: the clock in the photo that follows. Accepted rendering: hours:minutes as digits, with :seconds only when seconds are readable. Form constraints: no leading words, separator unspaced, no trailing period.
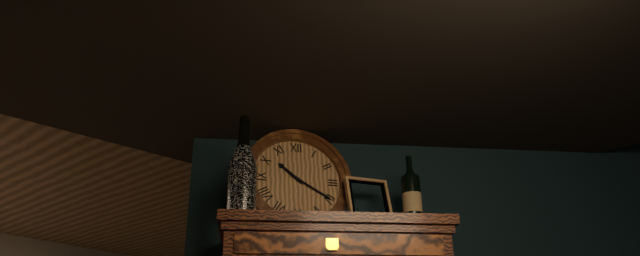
10:20
